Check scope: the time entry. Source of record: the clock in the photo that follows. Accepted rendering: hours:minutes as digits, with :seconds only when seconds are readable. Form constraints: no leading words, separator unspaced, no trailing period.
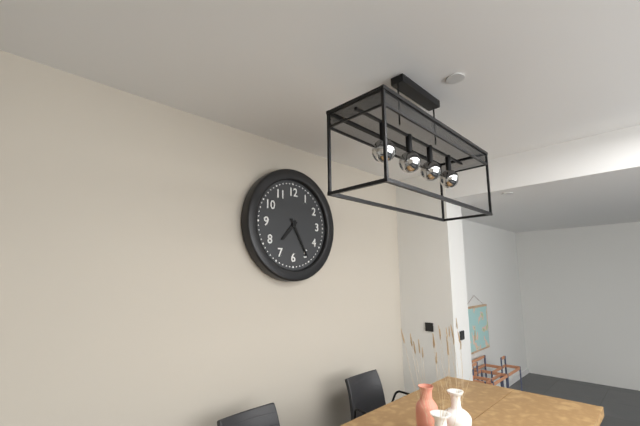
7:25
